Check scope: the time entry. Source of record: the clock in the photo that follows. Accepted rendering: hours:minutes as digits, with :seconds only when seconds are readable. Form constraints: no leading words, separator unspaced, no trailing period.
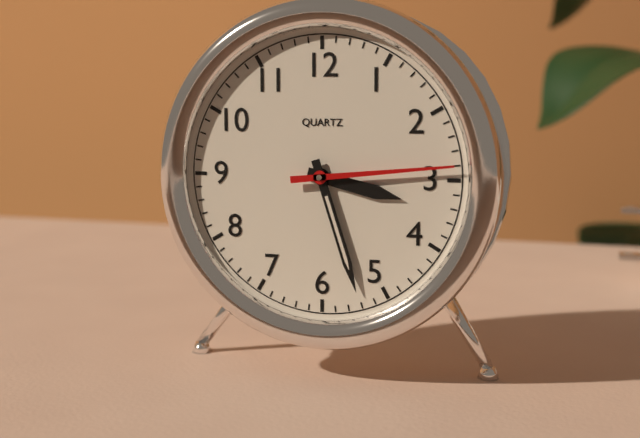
3:27:14
